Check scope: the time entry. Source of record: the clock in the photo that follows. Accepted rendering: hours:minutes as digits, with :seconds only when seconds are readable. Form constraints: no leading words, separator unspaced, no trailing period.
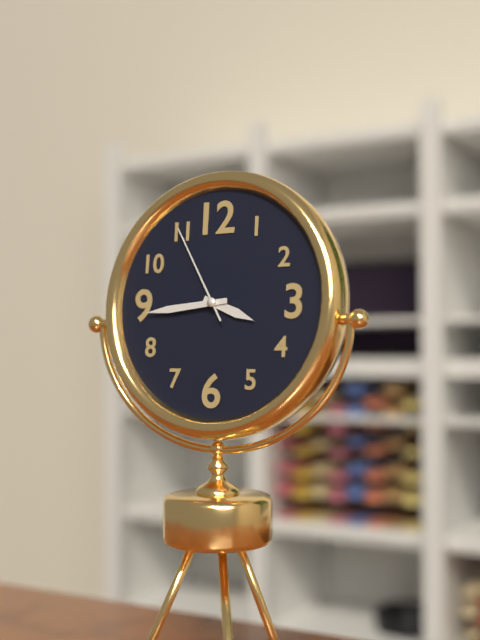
3:44:55
